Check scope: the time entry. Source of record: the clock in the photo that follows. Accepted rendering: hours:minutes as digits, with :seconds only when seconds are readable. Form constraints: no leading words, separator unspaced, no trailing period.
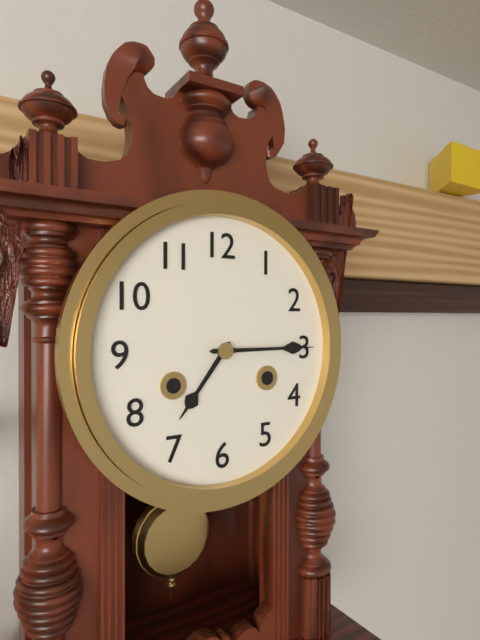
7:15
